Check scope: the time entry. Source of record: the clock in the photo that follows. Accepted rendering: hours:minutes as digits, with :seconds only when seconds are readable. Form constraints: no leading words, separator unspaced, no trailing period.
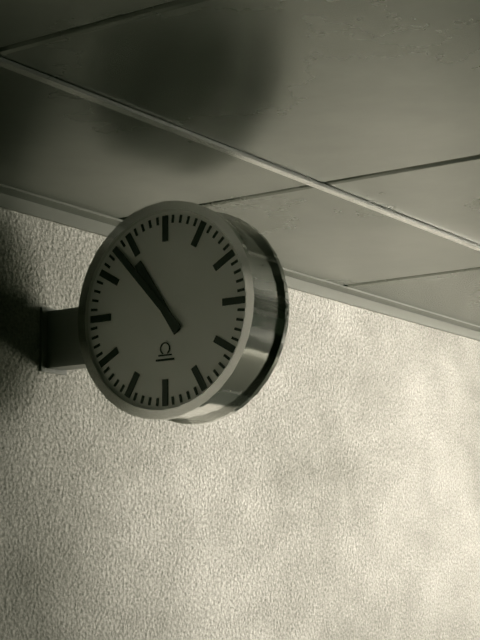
10:53
